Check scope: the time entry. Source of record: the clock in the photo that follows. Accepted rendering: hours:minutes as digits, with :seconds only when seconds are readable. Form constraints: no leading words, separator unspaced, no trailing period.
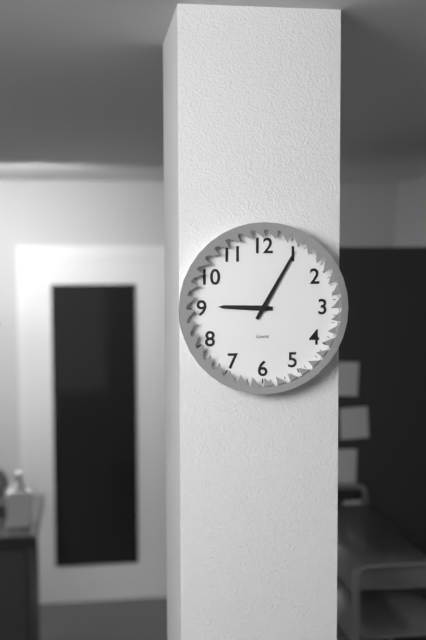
9:05
